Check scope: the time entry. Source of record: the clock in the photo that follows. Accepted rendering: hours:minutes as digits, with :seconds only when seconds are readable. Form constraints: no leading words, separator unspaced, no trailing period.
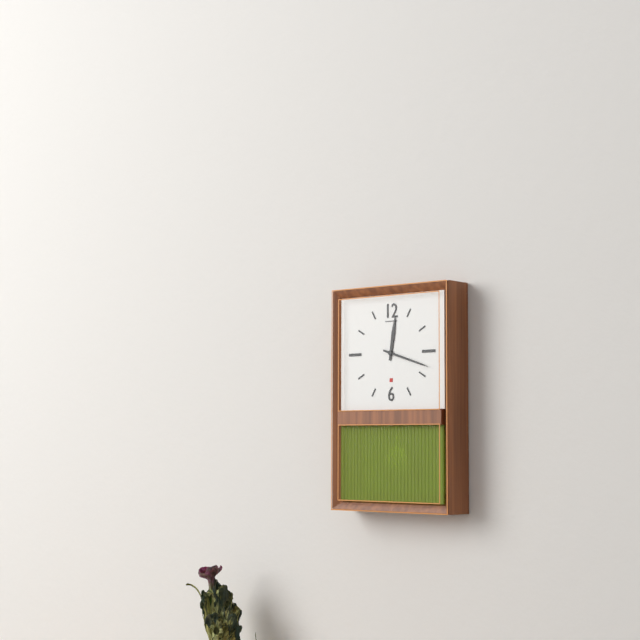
12:18
